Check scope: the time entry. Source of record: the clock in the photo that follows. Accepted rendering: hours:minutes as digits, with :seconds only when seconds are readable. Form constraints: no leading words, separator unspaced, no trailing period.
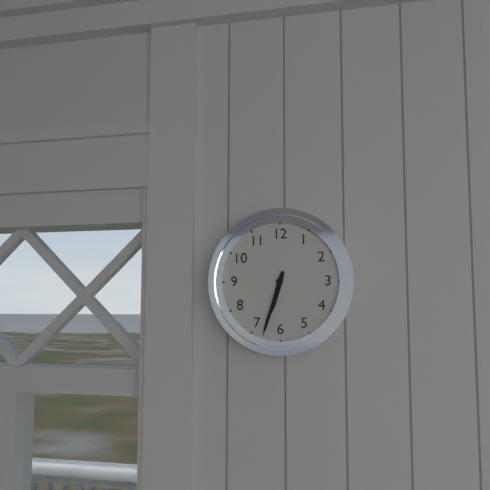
6:33
